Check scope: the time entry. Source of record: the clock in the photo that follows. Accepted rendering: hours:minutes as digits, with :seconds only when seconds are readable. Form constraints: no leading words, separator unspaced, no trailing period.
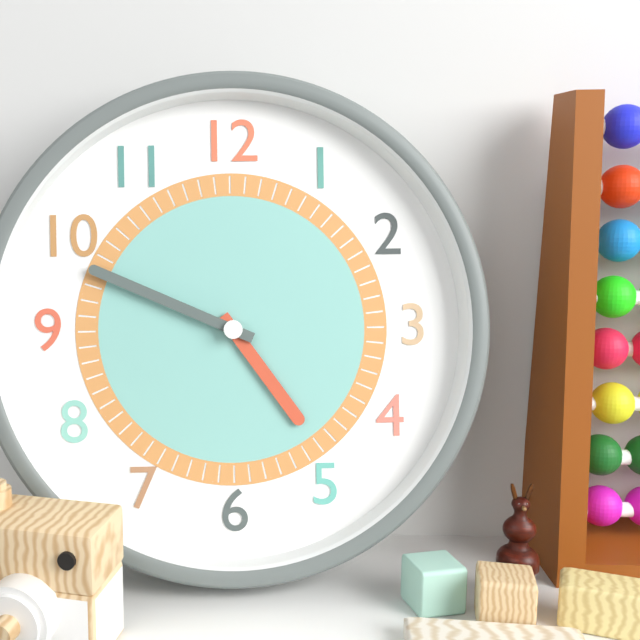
4:49
